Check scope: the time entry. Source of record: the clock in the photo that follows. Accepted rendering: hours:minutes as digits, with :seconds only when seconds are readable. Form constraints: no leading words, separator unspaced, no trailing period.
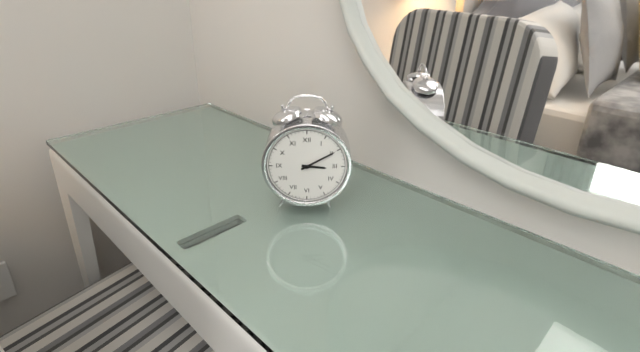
3:10
